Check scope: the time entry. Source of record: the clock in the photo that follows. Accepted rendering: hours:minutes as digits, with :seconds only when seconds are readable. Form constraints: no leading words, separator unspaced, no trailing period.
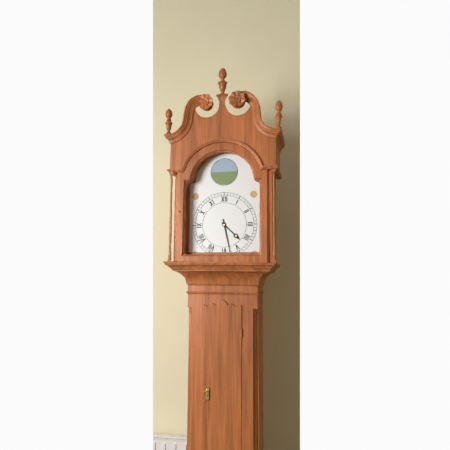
4:28
